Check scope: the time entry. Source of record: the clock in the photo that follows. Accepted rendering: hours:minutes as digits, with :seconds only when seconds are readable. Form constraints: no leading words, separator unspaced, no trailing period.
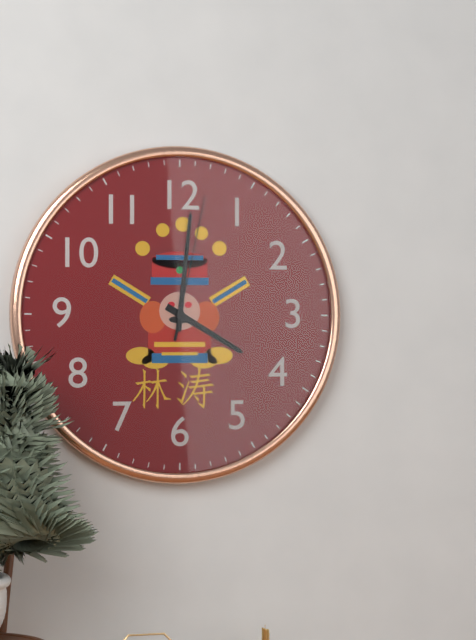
4:01:02
